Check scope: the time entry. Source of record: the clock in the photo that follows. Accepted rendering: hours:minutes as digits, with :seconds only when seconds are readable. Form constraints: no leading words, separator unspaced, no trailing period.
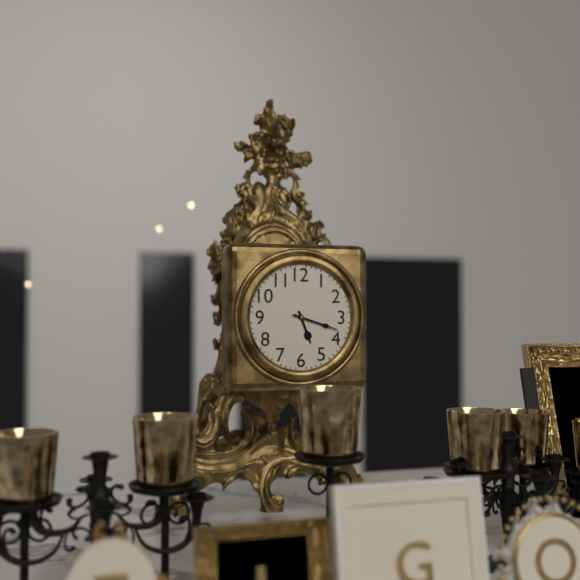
5:18
